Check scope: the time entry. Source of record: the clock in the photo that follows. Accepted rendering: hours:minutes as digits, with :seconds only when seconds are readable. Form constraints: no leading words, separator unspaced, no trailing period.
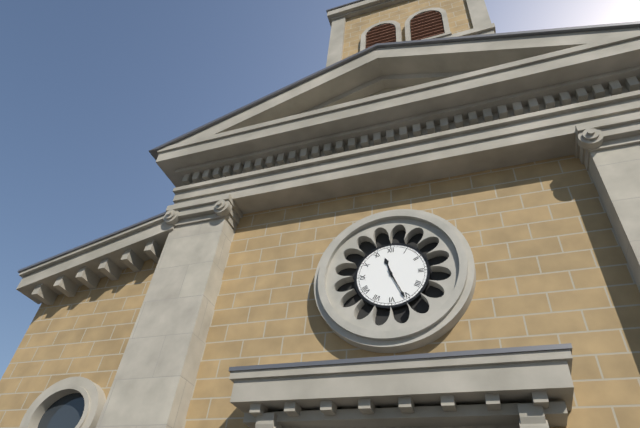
11:26
